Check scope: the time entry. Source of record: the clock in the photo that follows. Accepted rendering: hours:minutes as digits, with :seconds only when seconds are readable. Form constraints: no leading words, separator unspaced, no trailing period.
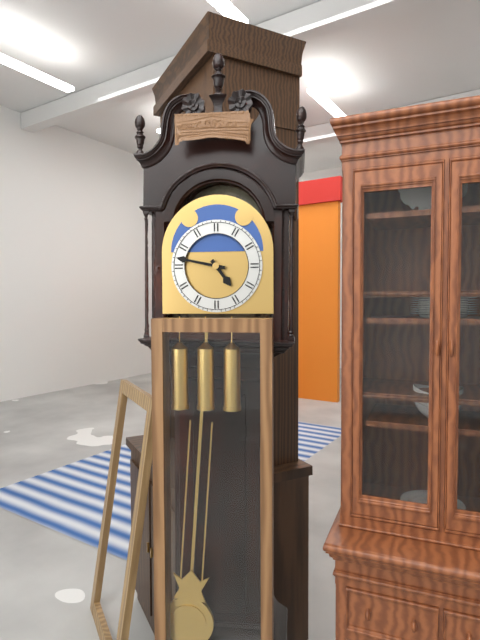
4:47
